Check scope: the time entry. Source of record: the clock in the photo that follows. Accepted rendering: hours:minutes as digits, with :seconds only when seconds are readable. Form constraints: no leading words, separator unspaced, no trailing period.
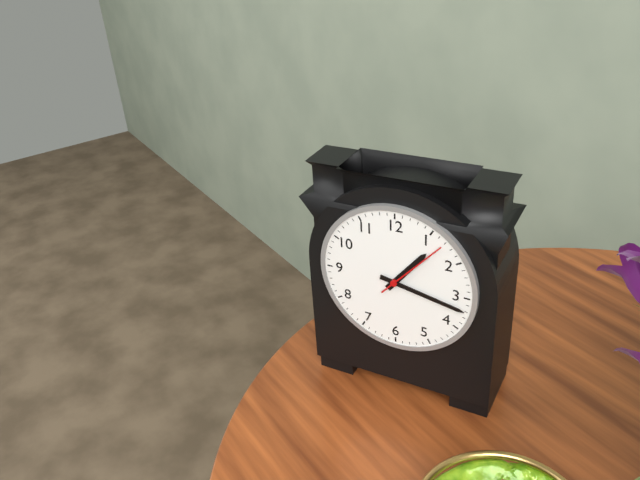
1:17:07
